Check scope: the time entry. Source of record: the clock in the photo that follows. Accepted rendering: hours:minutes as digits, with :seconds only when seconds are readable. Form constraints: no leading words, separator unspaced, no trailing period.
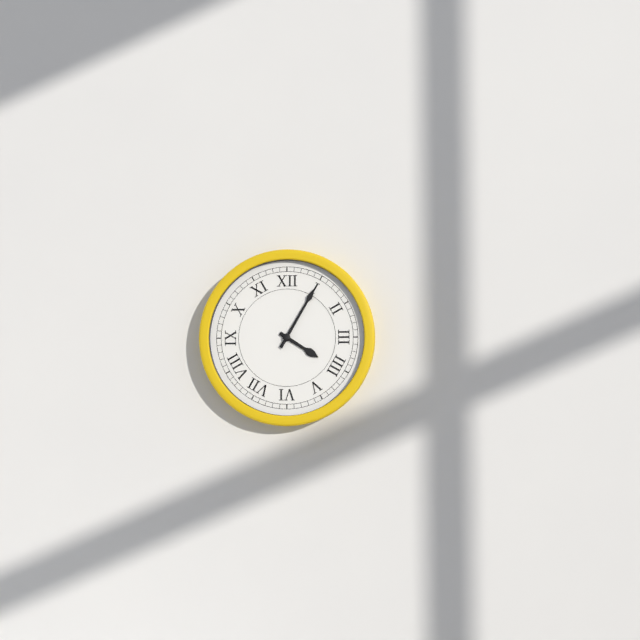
4:05
